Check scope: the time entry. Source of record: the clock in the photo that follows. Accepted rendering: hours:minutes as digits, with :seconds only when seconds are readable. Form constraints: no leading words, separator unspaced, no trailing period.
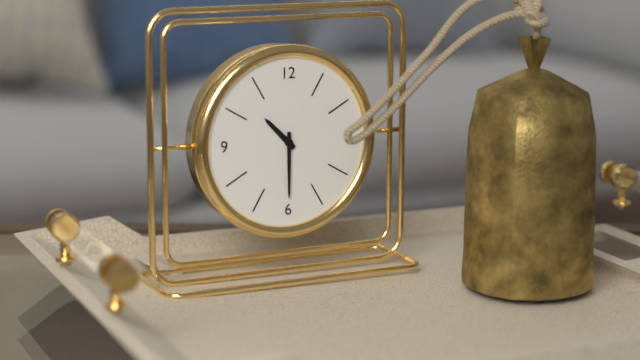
10:30
